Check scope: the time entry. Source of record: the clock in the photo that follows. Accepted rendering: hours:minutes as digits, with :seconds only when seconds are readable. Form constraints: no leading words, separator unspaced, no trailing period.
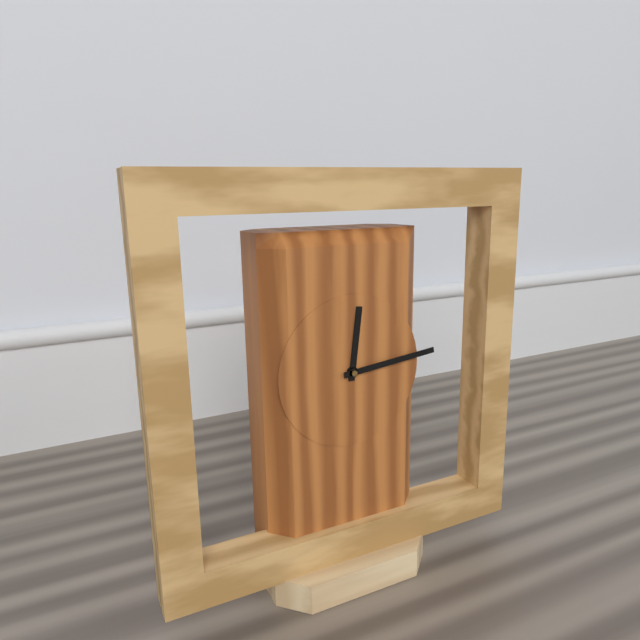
12:14
